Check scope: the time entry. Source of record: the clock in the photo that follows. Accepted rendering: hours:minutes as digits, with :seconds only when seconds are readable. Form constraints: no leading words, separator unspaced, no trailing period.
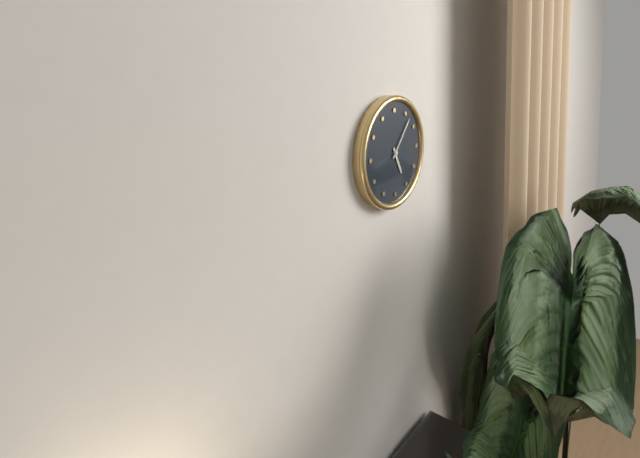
5:07
